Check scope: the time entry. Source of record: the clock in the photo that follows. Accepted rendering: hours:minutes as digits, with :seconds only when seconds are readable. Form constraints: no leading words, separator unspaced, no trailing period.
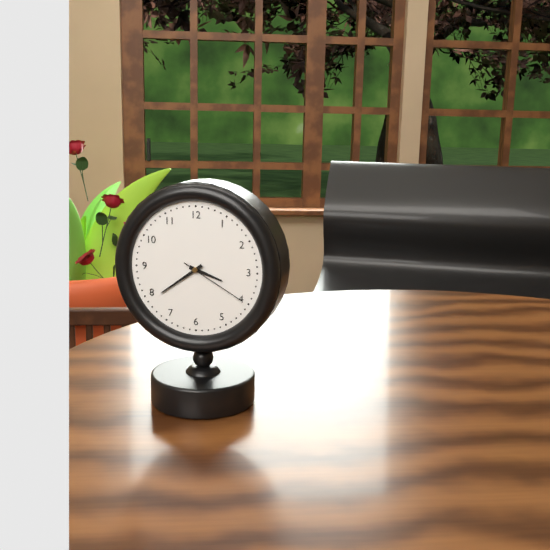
3:39:20
